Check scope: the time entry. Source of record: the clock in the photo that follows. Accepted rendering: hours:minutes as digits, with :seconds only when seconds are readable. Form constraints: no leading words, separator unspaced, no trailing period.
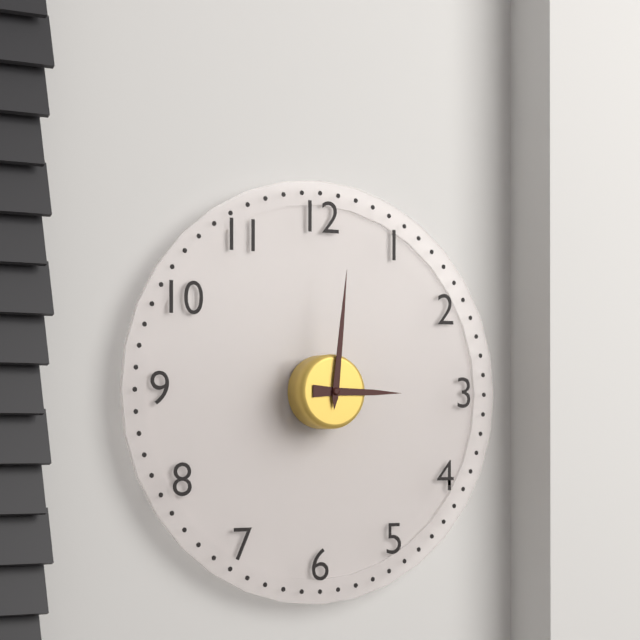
3:01
